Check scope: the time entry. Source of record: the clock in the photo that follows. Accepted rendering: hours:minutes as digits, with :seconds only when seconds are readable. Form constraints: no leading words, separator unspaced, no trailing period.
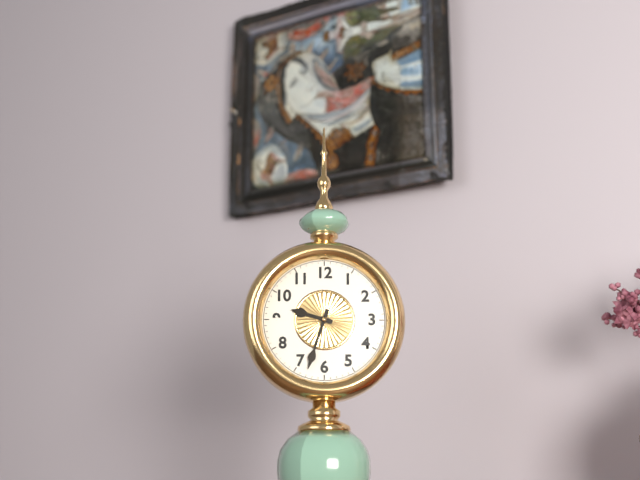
9:33
